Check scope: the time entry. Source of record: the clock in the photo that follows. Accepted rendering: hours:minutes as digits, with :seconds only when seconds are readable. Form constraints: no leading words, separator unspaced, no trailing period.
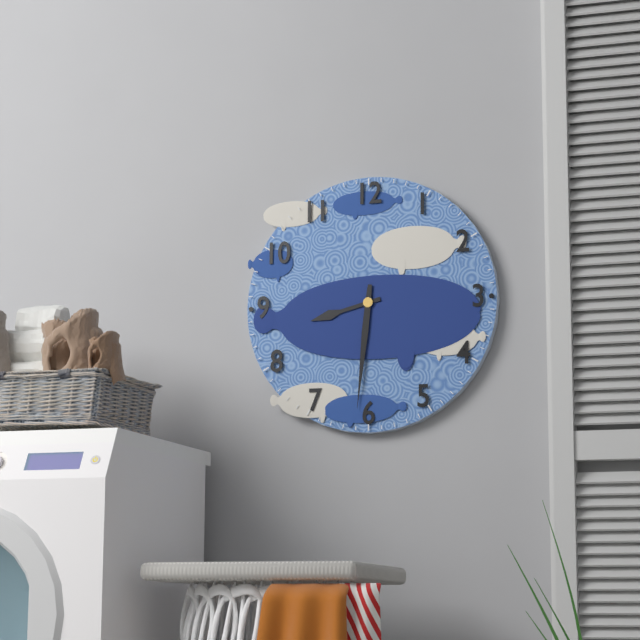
8:31
